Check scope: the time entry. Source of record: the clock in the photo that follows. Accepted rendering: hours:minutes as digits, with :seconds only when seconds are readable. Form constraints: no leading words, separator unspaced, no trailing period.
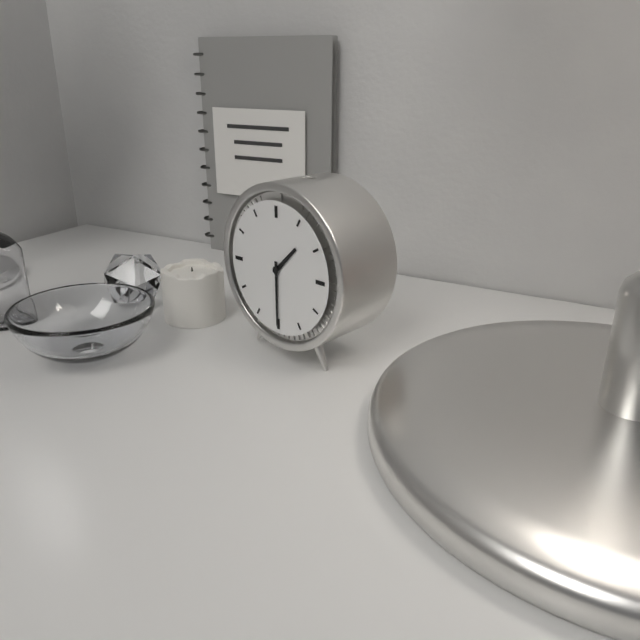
1:30
